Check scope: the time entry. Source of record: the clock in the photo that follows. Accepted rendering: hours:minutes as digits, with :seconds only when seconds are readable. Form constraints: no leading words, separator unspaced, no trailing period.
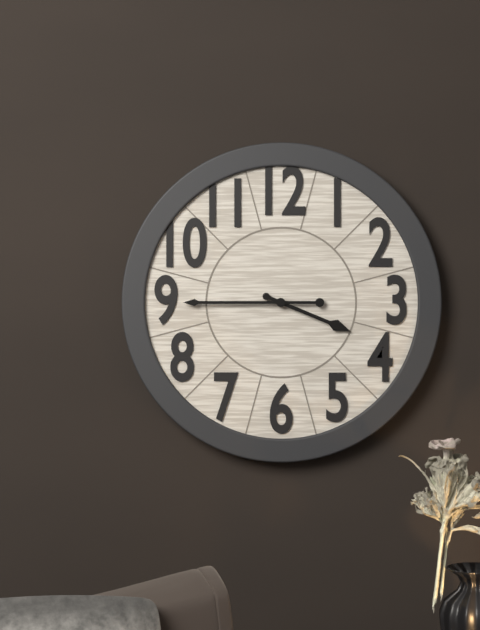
3:45
